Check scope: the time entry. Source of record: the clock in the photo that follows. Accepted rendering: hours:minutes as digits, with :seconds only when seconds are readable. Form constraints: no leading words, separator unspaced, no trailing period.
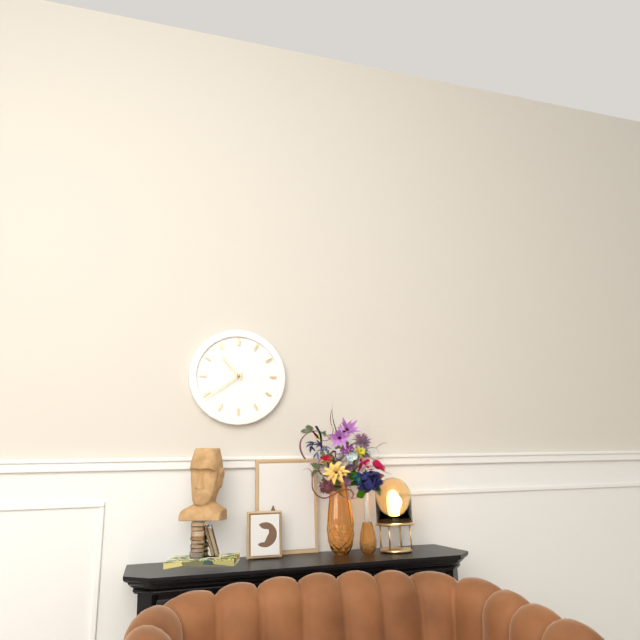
10:39
